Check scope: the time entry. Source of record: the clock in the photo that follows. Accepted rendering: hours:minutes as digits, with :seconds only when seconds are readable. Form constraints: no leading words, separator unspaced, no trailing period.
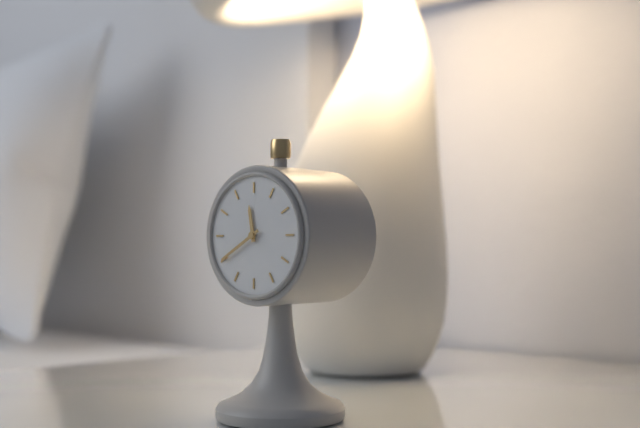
11:40
